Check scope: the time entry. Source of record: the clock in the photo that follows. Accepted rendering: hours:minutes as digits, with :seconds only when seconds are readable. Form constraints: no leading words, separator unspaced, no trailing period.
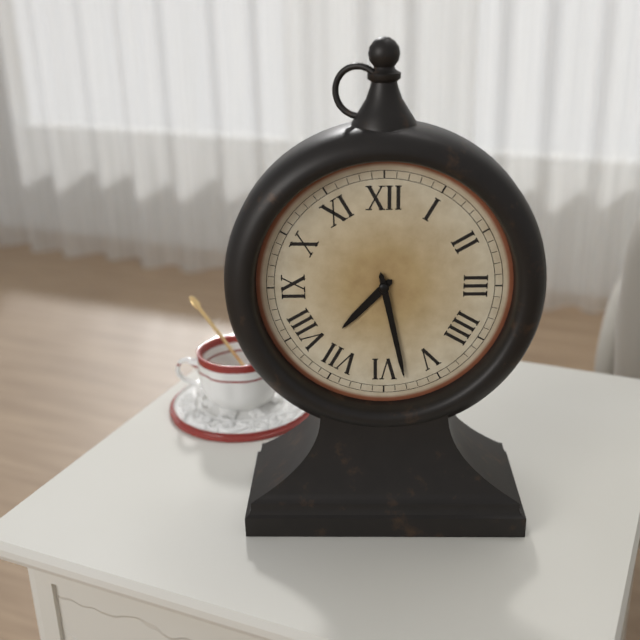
7:28
